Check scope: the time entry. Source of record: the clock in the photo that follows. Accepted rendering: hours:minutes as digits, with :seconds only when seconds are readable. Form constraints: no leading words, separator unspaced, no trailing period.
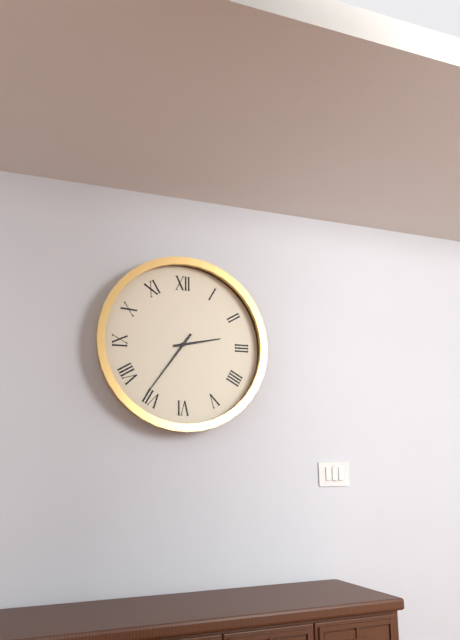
2:36
